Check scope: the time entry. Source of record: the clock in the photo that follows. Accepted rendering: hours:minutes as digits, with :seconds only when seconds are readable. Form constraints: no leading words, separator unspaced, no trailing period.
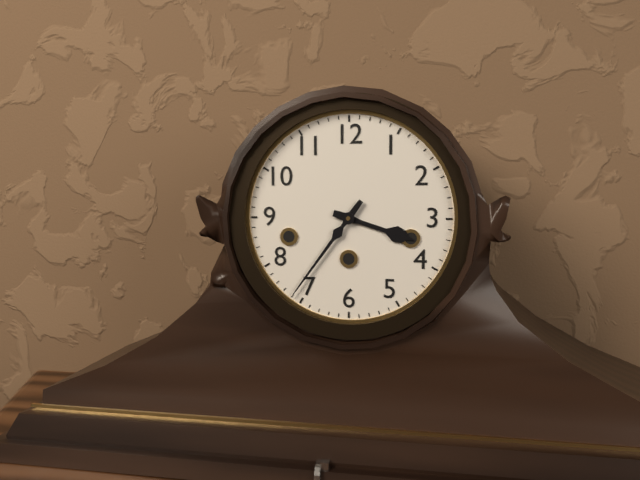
3:36
